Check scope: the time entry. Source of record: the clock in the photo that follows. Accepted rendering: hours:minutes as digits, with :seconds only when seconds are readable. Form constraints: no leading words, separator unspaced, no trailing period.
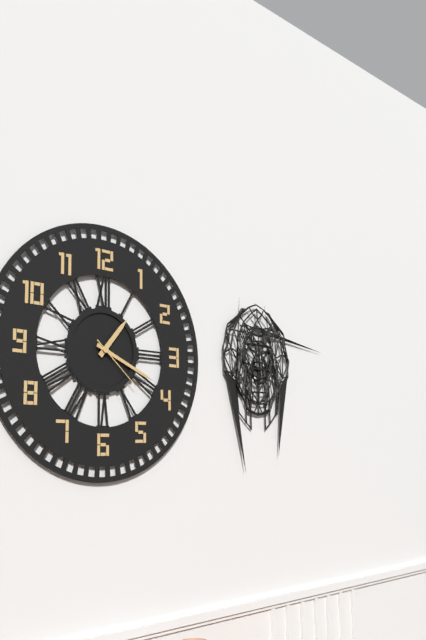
1:19:22
